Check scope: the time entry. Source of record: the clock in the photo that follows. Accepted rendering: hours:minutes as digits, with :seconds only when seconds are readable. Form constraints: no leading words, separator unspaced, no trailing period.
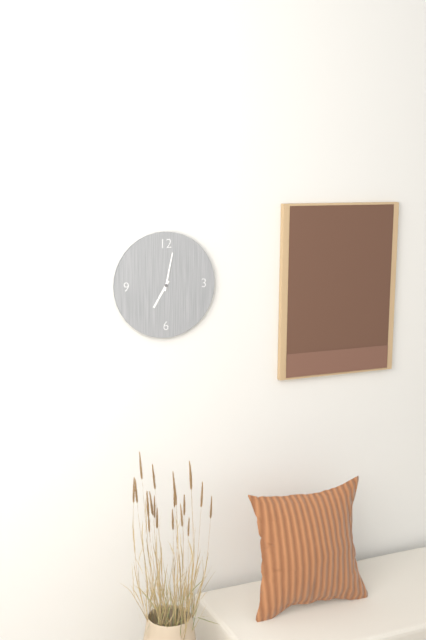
7:02
